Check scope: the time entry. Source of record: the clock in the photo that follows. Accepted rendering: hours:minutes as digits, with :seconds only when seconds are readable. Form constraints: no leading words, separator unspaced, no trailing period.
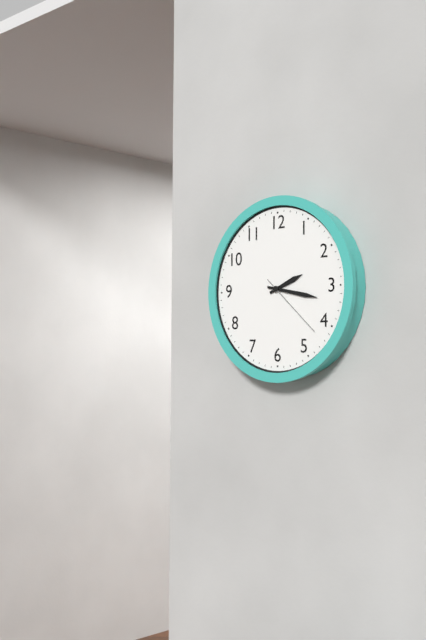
2:17:22
